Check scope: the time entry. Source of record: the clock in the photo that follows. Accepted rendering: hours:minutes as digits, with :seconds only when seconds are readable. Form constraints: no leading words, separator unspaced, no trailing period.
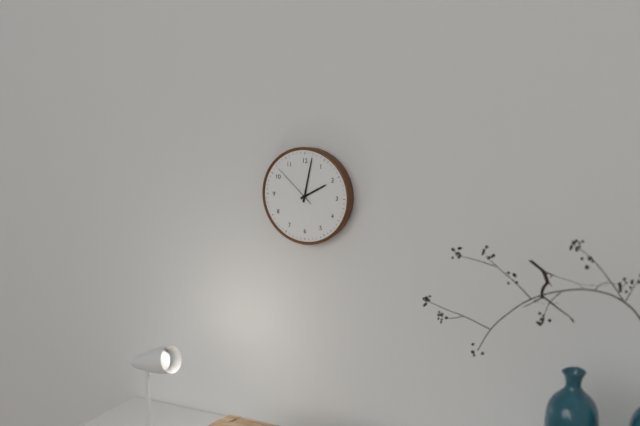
2:02
